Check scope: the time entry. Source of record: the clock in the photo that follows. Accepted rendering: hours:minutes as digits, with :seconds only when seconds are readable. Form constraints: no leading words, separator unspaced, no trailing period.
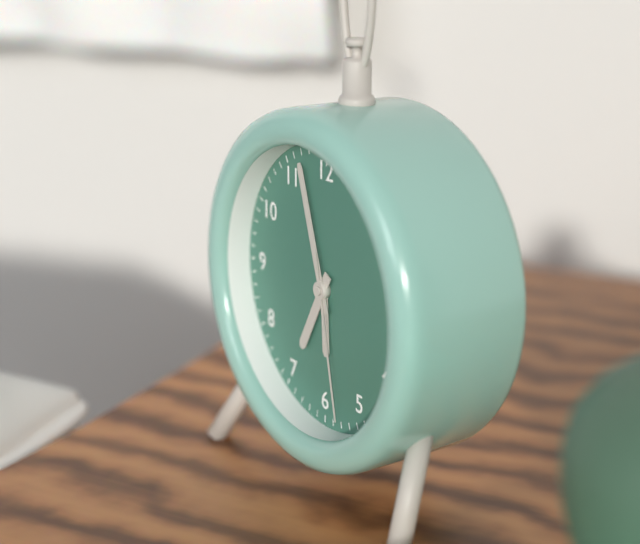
6:57:28
